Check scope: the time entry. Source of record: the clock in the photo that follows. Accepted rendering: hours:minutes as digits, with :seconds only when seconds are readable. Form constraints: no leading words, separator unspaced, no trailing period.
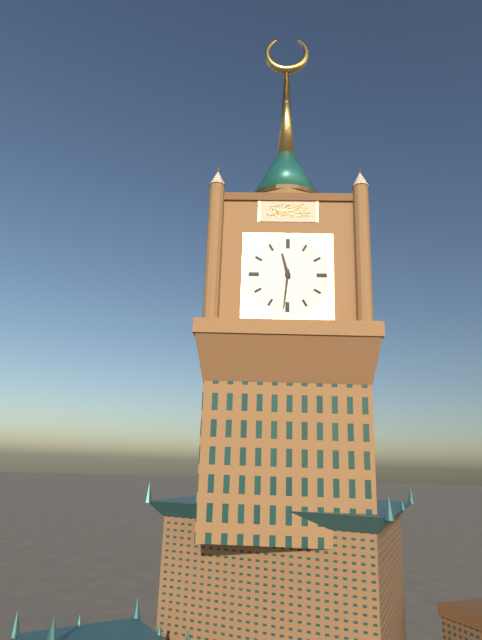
11:31
